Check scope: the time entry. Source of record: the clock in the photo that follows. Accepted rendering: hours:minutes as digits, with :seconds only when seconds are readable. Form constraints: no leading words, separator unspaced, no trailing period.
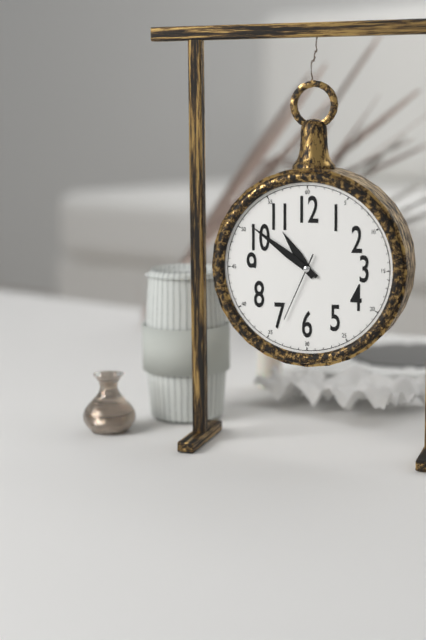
10:51:34
